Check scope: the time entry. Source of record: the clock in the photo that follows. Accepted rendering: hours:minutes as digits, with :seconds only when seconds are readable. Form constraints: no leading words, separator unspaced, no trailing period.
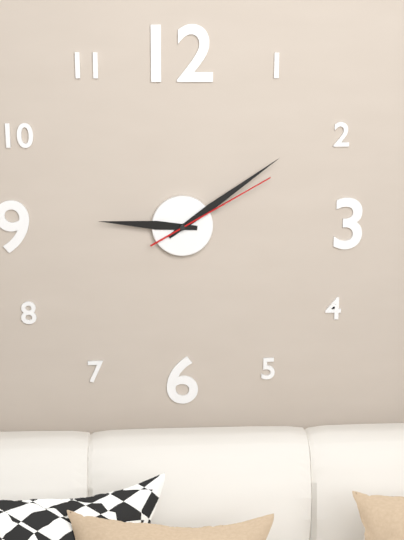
9:09:10
